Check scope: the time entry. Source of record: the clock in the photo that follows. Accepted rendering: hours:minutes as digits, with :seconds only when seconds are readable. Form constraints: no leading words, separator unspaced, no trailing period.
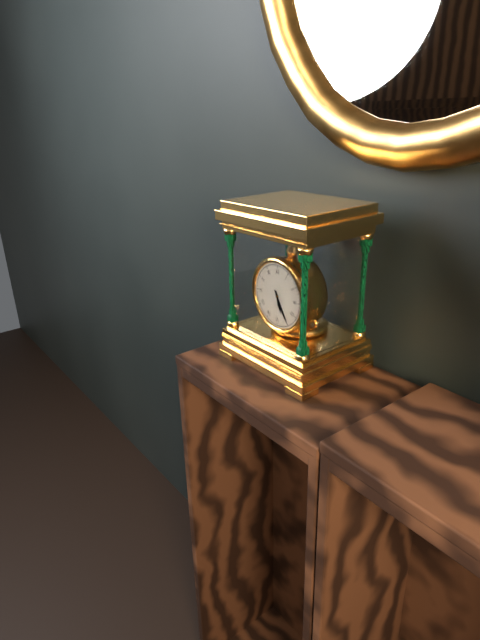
5:25
